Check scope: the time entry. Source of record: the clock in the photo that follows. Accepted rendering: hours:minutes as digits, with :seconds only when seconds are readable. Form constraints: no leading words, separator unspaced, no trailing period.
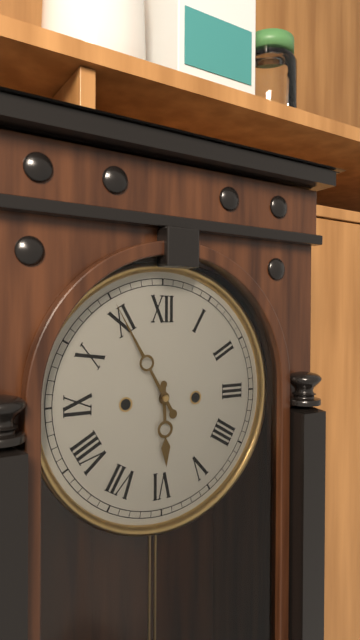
5:55
